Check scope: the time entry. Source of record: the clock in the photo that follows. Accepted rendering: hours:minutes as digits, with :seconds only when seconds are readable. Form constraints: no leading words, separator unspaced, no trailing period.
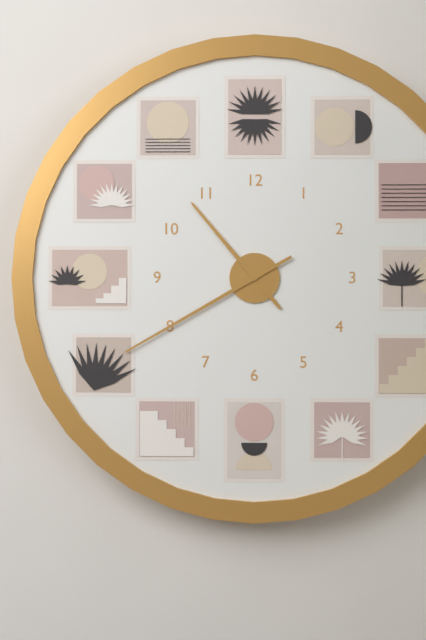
10:40
